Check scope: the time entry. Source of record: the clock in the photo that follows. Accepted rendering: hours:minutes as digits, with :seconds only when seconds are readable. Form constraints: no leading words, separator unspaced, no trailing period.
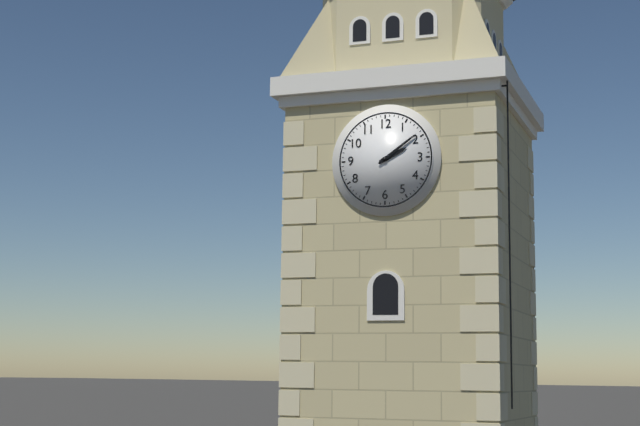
2:09
